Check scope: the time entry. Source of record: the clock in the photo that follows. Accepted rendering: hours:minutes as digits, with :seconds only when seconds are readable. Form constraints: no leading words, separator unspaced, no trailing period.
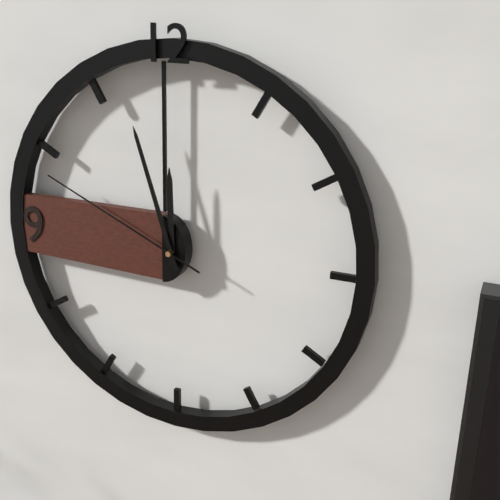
11:57:49
